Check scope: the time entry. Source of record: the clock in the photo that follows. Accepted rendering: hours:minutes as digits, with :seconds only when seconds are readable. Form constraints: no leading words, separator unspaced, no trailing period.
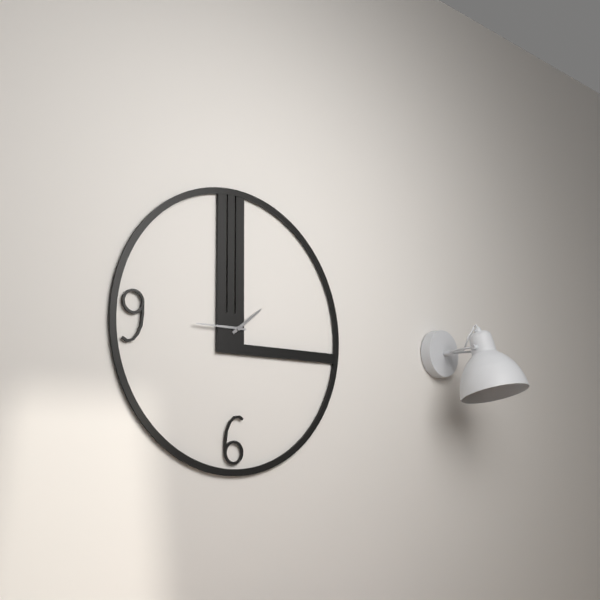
1:45
